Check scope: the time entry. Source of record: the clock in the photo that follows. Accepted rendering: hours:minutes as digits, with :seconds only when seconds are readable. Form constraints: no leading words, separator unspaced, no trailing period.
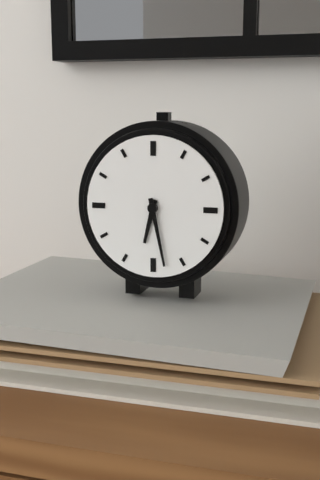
6:28
